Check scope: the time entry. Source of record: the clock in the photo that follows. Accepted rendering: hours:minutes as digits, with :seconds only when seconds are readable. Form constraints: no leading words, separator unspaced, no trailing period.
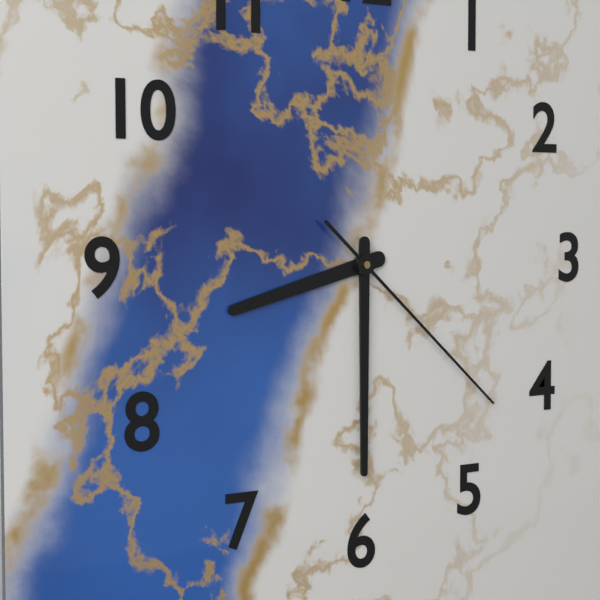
8:30:22
